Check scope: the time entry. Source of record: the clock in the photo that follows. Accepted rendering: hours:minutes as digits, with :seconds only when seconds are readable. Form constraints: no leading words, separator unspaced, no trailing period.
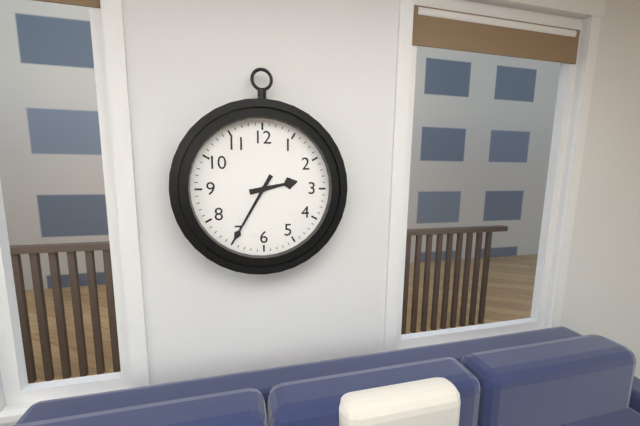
2:35
